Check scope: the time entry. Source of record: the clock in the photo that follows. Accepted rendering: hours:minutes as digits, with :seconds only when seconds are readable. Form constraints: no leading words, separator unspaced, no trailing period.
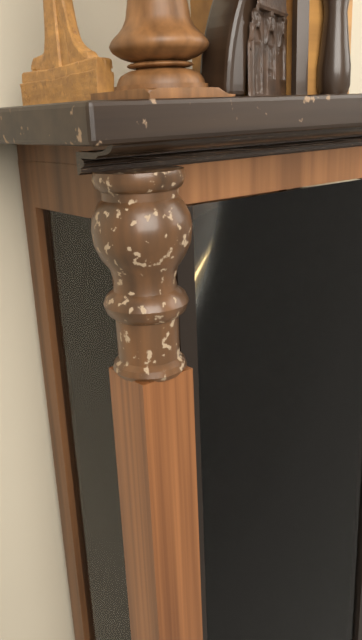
2:37
